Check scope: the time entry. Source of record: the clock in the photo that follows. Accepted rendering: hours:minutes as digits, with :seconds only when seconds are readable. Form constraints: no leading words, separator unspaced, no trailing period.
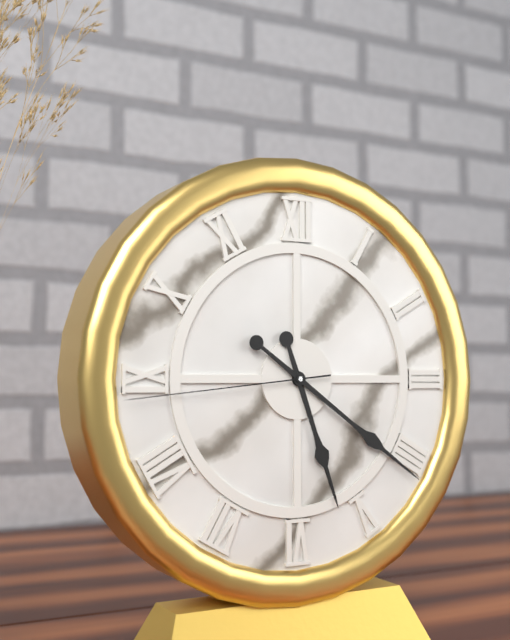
5:21:44
